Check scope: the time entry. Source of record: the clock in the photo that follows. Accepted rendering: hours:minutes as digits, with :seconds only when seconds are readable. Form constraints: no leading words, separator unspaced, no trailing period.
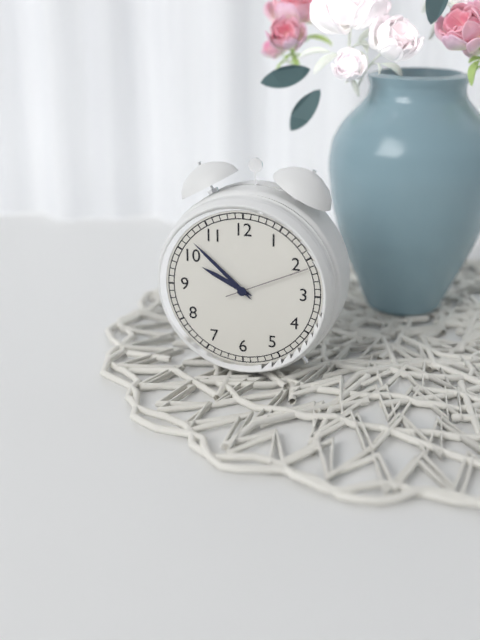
9:52:11
